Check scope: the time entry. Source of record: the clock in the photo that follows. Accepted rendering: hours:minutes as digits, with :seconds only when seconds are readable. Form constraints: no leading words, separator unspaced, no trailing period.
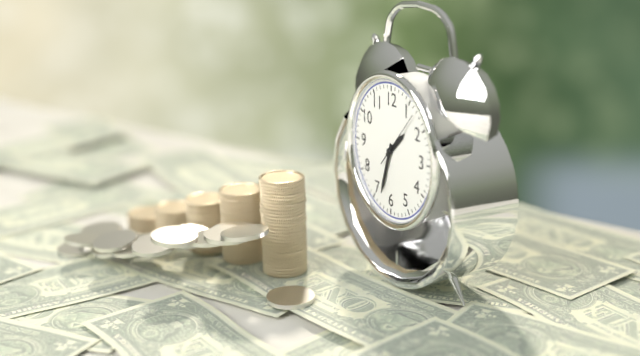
1:33:07
